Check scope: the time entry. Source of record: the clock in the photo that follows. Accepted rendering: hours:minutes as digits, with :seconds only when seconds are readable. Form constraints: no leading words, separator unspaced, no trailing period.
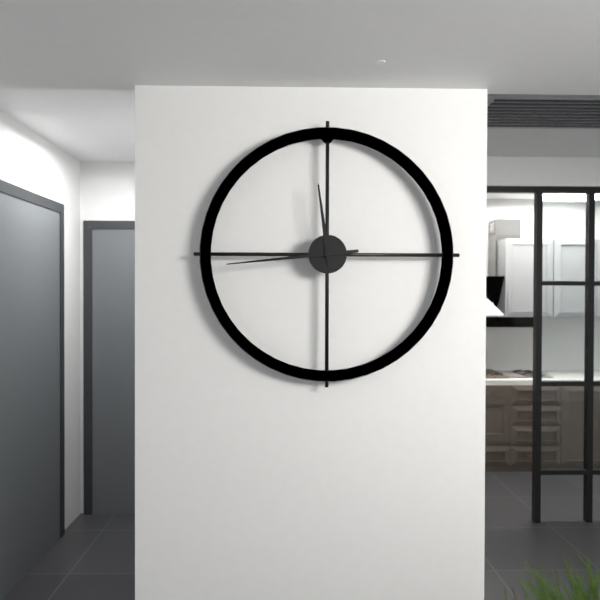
11:44
